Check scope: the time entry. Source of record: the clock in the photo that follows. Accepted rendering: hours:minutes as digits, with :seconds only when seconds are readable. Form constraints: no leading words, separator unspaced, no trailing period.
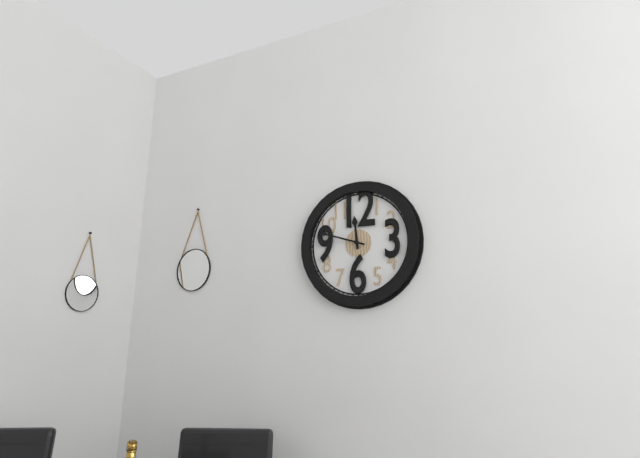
11:48
